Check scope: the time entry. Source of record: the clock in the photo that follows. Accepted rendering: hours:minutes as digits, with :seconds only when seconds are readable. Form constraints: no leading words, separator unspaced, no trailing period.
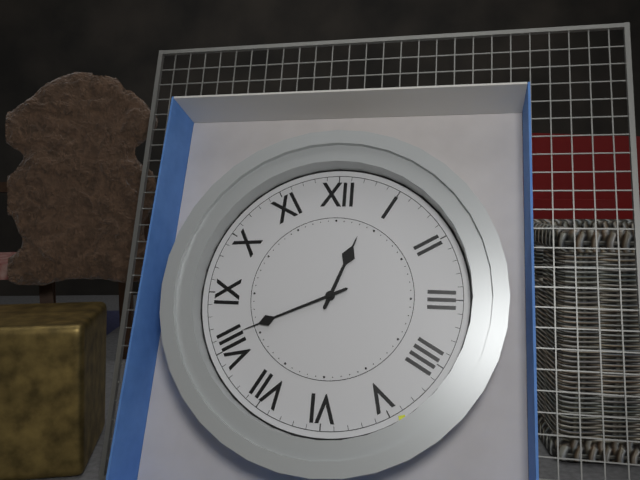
12:41
